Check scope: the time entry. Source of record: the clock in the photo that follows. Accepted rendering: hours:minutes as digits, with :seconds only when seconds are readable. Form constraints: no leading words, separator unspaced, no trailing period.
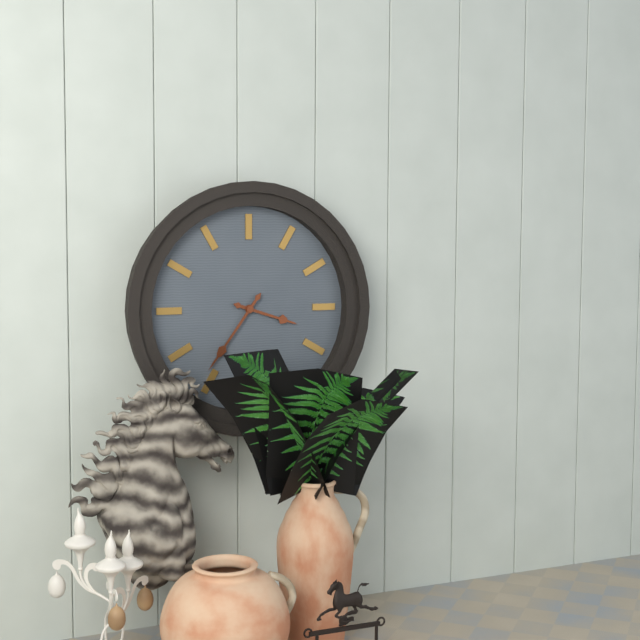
3:36
